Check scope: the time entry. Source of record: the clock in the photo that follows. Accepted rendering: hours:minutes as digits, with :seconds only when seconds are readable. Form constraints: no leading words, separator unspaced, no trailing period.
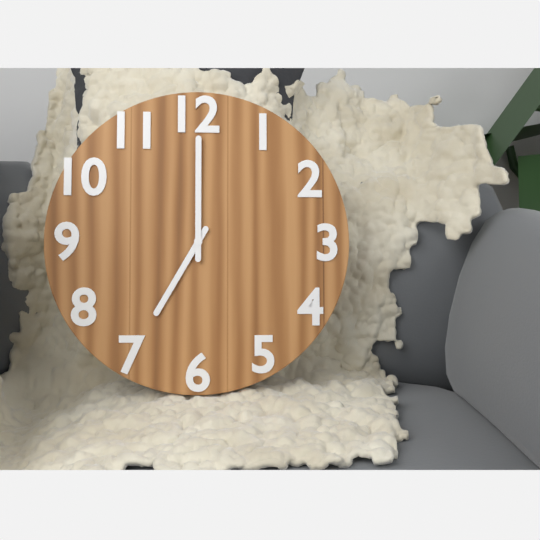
7:00
